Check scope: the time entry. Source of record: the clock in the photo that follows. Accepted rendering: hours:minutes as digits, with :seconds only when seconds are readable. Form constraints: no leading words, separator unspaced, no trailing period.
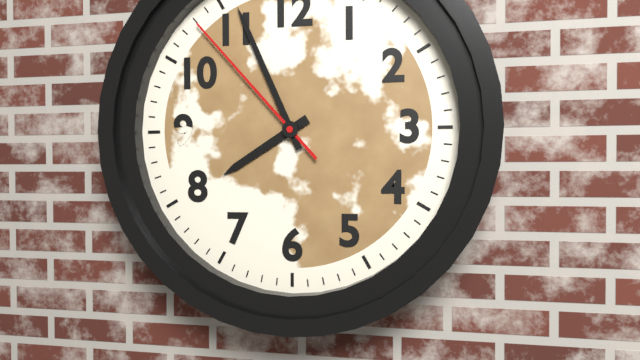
7:56:53
